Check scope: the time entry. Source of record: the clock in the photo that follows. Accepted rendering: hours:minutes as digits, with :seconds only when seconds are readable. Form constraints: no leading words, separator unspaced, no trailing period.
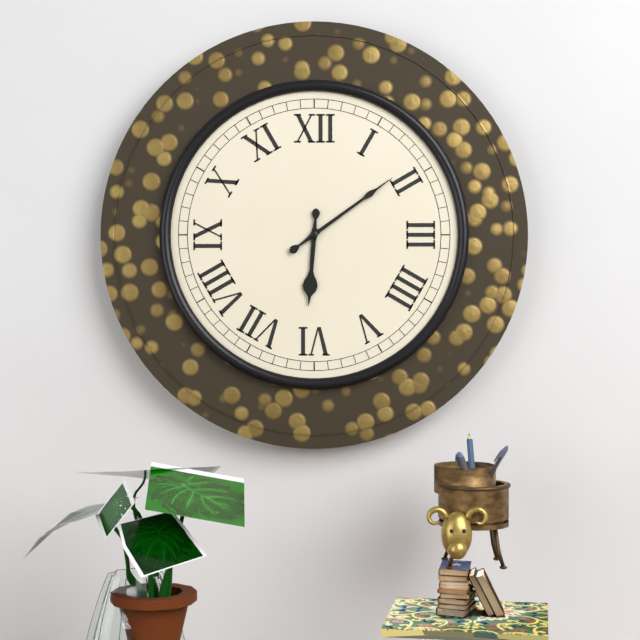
6:09
